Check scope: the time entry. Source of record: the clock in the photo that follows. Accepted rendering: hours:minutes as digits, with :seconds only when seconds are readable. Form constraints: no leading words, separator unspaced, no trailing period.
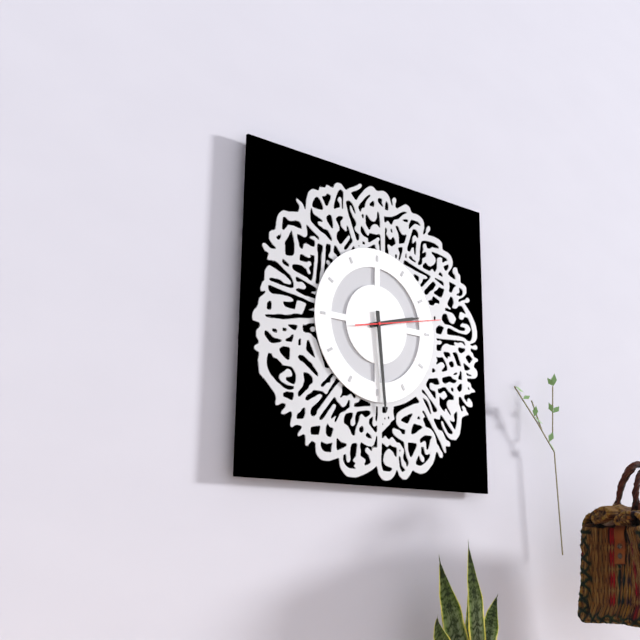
2:29:13
